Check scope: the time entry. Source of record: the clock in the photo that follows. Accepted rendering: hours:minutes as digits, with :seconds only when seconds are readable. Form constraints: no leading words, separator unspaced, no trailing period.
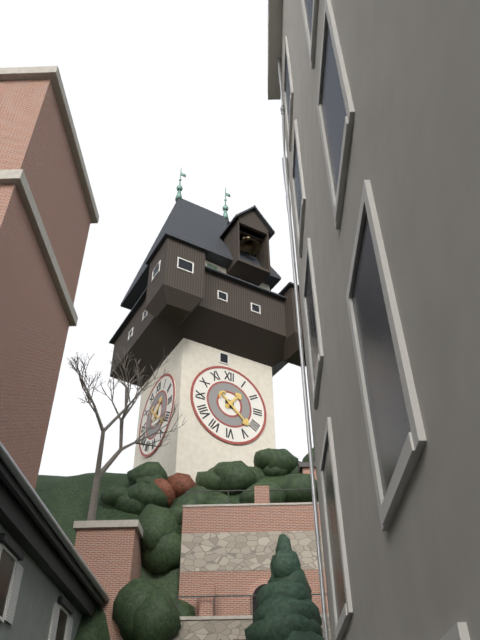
1:22
